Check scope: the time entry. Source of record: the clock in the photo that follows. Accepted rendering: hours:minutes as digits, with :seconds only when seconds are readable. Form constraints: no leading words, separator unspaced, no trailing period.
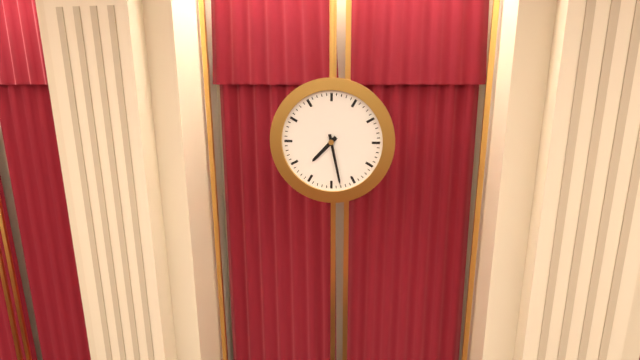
7:28
